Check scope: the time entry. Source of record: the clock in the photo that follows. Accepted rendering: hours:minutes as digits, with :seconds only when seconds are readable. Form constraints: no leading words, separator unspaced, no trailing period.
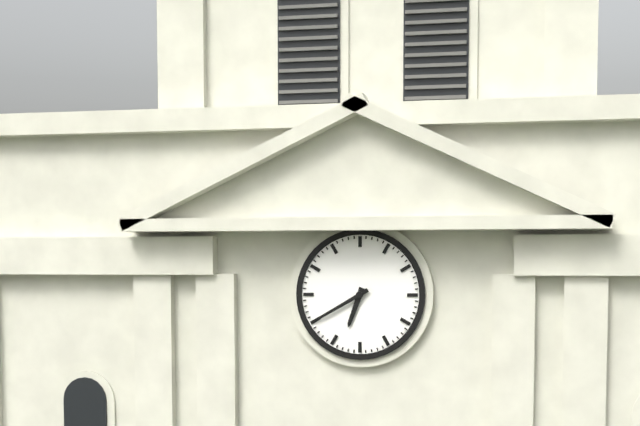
6:40
